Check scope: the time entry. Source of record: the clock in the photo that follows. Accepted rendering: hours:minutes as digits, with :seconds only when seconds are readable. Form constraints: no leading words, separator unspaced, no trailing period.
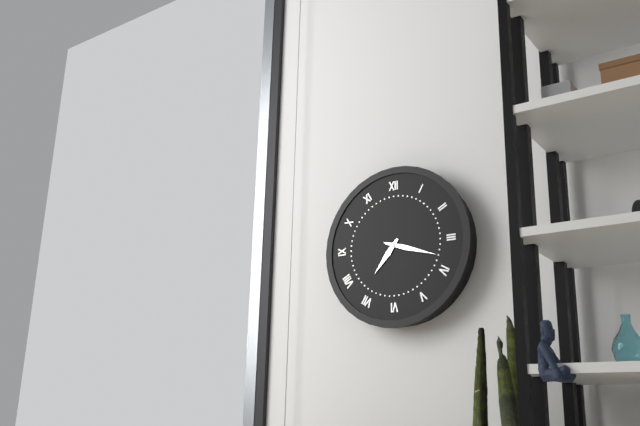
7:18
